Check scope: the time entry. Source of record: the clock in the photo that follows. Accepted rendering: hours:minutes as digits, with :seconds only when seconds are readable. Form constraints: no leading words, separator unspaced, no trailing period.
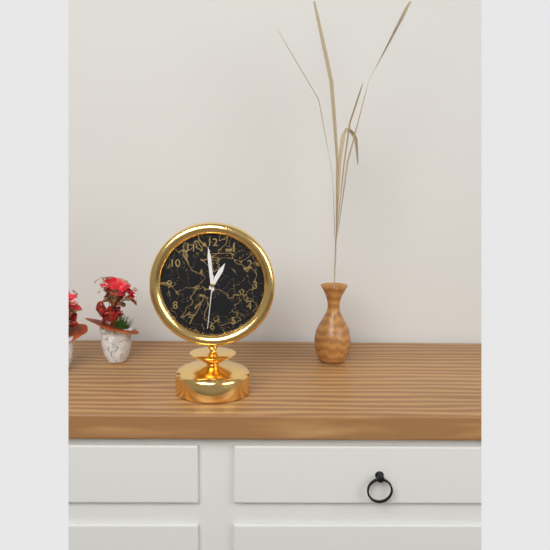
12:59:31
